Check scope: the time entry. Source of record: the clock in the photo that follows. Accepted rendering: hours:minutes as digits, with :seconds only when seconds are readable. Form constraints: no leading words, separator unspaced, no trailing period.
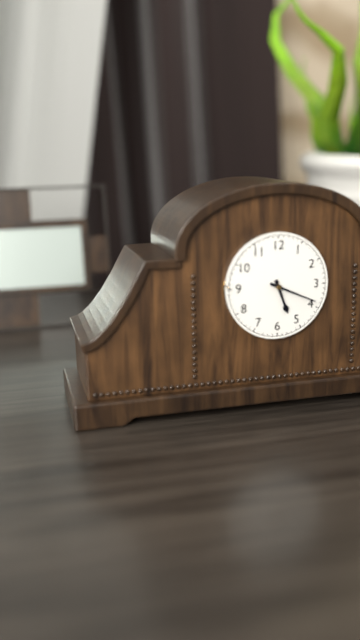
5:19
